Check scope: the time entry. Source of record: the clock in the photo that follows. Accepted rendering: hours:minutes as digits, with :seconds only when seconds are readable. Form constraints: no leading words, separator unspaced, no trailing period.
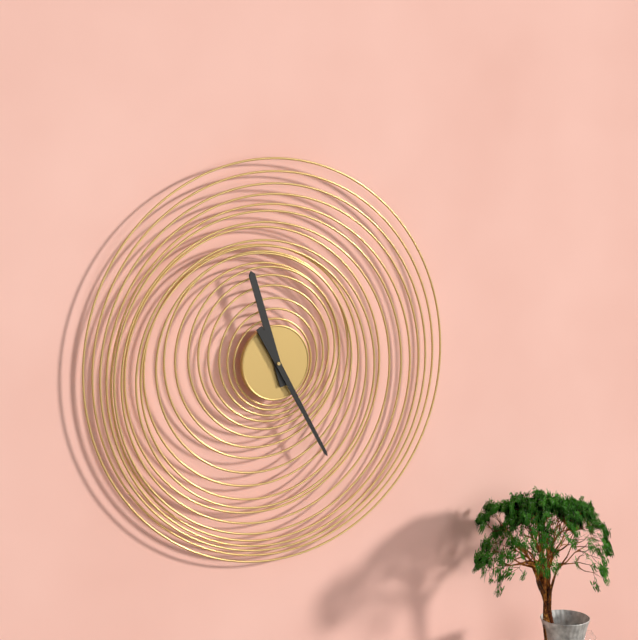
11:25
